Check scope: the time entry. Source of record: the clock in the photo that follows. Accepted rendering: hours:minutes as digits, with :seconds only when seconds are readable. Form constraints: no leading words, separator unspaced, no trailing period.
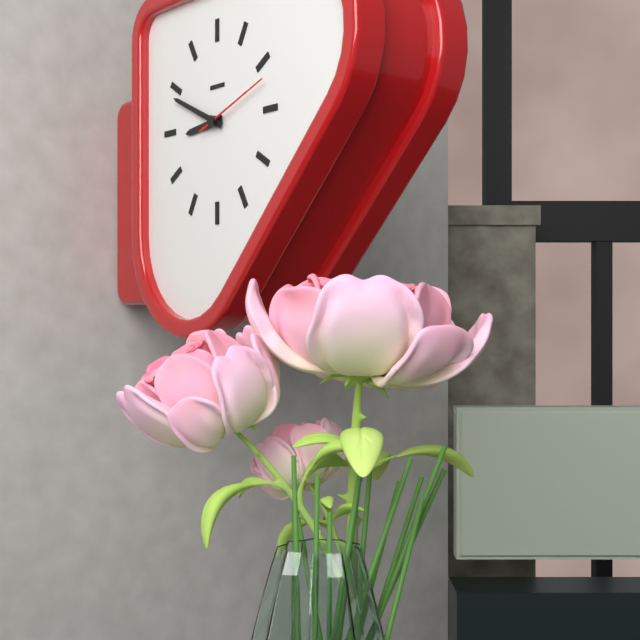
8:49:12
